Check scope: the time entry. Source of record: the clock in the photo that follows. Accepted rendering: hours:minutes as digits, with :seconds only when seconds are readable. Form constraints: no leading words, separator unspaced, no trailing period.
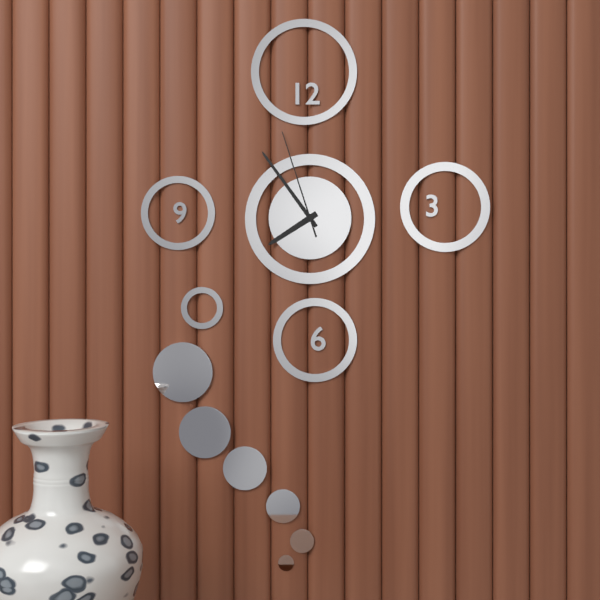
7:54:57
